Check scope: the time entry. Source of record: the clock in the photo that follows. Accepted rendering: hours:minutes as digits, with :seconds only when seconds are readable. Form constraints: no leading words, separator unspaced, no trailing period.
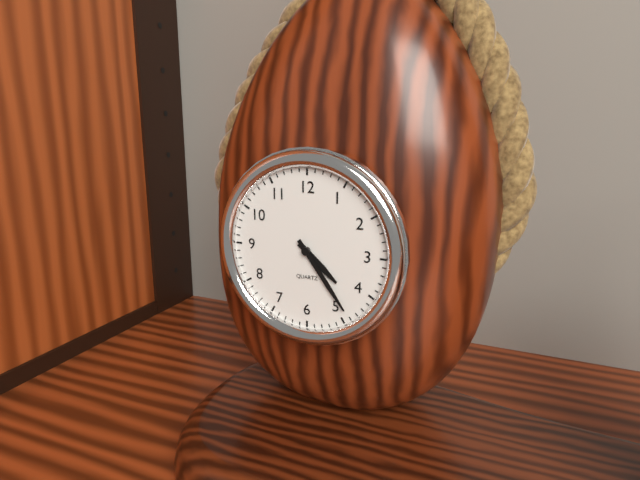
4:24
